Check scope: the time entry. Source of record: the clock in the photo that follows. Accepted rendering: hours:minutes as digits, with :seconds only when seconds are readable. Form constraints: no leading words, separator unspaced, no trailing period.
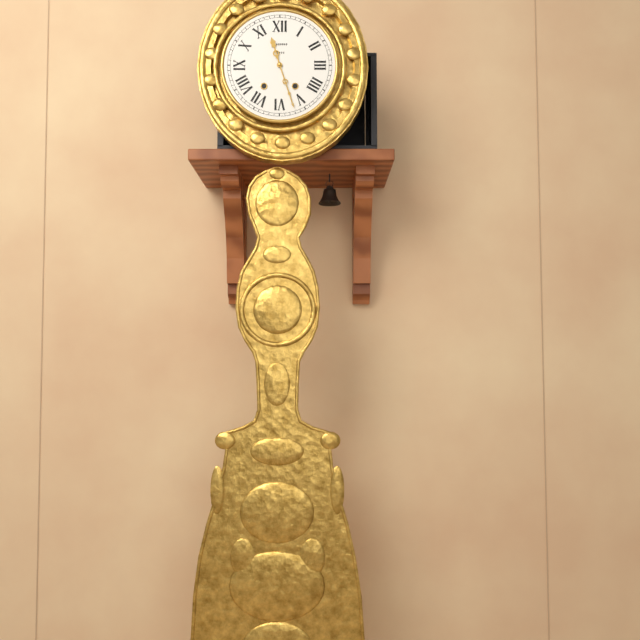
11:27
